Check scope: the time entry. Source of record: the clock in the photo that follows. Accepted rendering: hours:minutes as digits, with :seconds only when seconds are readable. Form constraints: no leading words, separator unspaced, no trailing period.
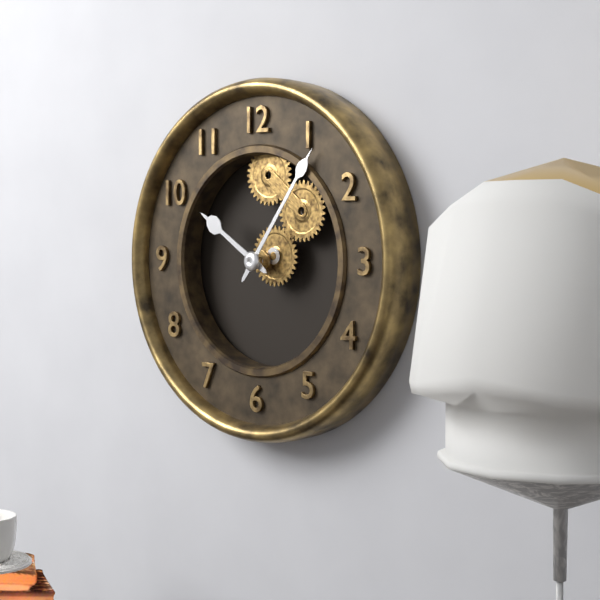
10:06
